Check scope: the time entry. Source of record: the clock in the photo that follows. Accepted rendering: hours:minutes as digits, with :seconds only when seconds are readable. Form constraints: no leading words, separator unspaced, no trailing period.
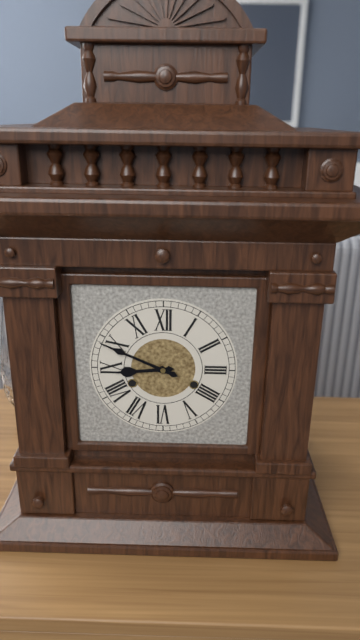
8:49
